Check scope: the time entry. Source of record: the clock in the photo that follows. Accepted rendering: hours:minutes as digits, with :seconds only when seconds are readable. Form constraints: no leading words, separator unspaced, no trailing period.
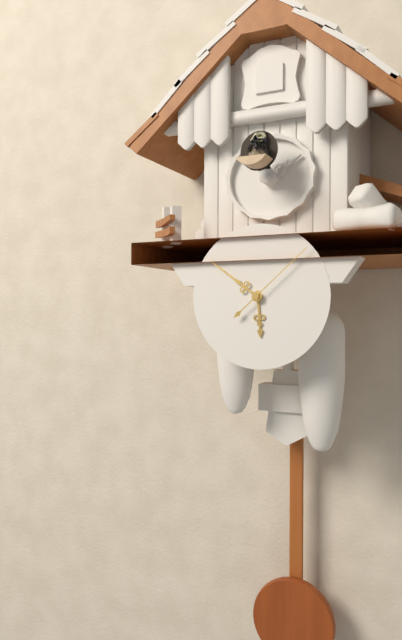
5:51:08
